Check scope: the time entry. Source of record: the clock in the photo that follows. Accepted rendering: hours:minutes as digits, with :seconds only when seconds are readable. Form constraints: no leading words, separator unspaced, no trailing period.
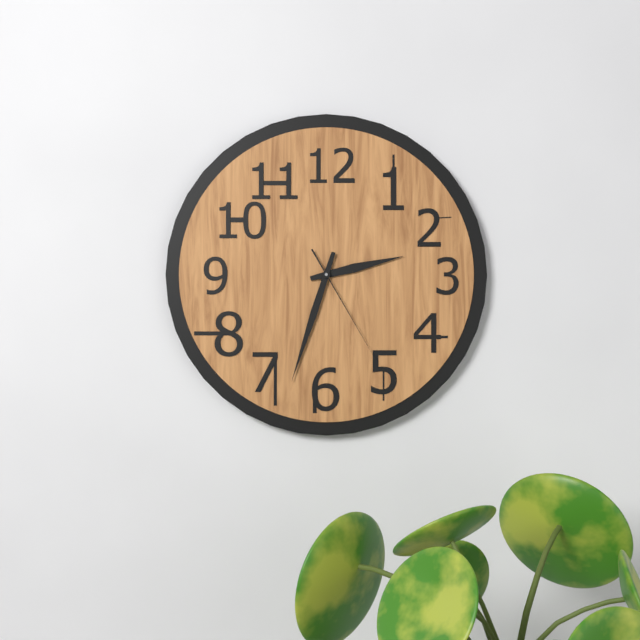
2:33:25
